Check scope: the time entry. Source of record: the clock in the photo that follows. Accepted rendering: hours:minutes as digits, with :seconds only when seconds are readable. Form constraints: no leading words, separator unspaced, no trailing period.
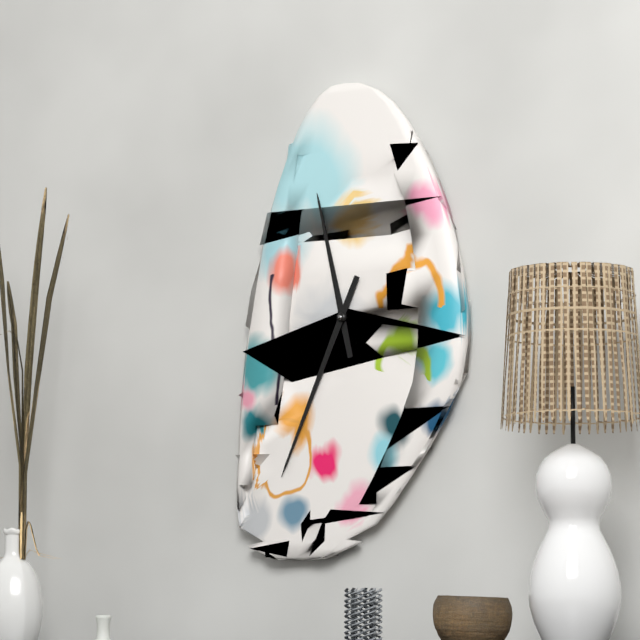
11:34
